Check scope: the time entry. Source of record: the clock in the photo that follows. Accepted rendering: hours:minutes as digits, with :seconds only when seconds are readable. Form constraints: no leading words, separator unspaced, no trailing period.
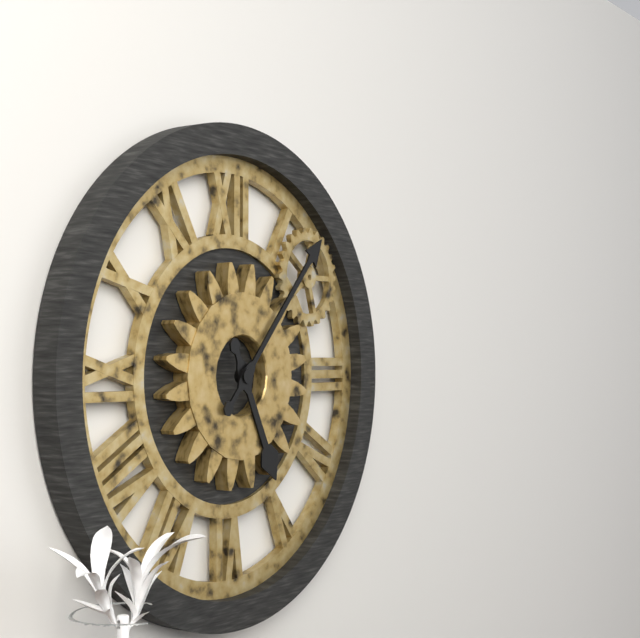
5:07
